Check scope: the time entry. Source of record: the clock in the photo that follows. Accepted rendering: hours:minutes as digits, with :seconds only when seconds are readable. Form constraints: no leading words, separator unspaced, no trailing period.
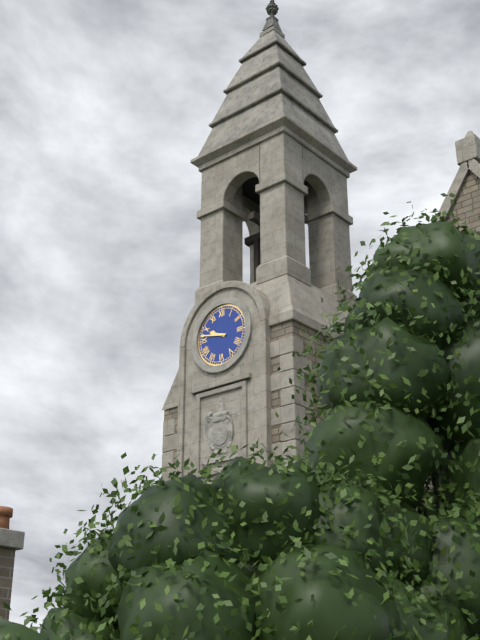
9:47
